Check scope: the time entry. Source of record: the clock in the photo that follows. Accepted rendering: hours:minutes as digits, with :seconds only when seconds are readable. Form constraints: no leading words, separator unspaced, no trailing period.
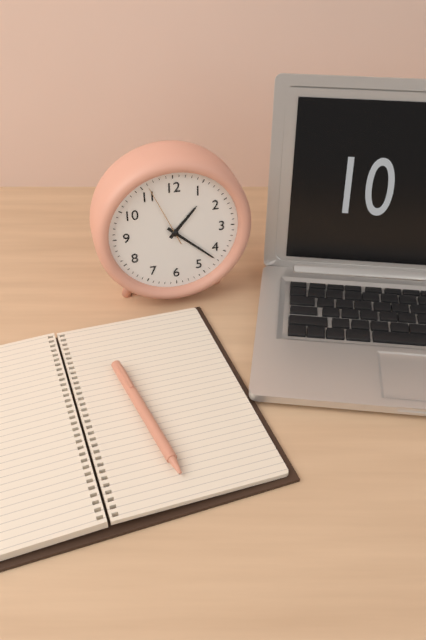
1:22:56
